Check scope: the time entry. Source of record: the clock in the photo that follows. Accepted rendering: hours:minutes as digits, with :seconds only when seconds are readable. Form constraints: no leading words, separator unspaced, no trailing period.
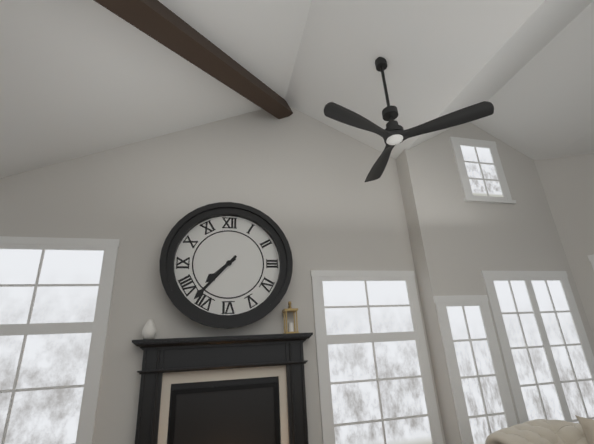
7:37
